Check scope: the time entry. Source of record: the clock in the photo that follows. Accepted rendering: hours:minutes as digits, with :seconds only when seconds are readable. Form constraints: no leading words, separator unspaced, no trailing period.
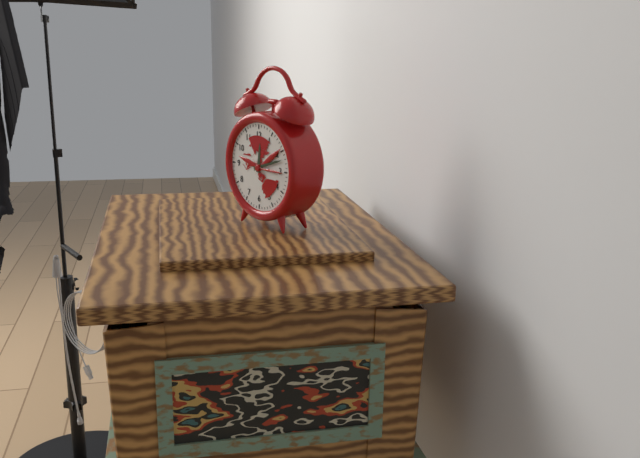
12:12
